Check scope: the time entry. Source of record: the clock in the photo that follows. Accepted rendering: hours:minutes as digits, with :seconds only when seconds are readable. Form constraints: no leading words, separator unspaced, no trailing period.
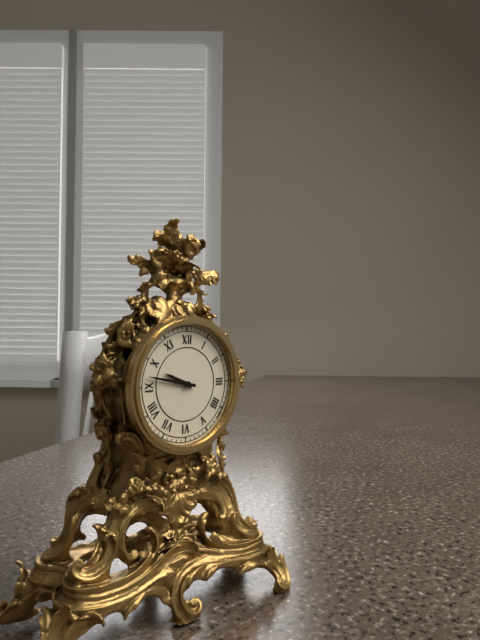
9:47
